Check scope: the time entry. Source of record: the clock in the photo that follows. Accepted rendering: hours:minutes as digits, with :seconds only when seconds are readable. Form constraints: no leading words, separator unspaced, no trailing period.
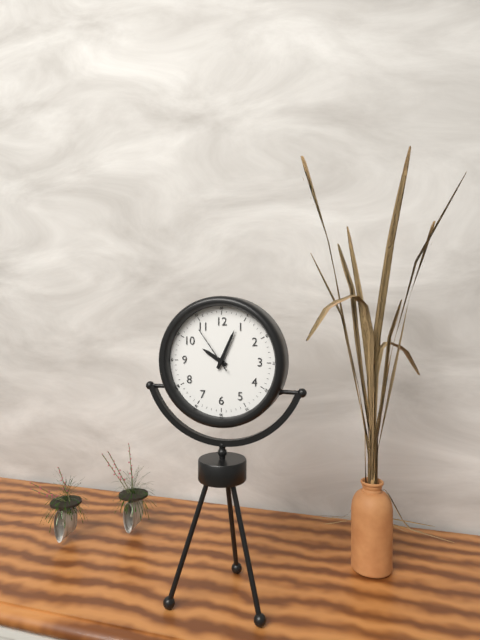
10:04
